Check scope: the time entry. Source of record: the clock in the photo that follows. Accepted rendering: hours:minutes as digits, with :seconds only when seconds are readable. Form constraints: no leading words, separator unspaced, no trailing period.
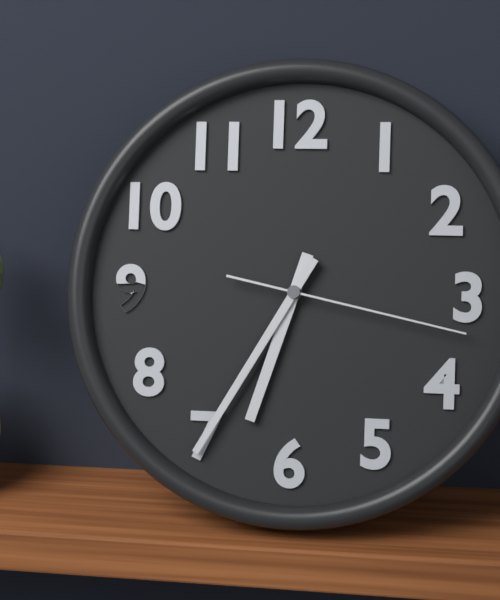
6:35:17
